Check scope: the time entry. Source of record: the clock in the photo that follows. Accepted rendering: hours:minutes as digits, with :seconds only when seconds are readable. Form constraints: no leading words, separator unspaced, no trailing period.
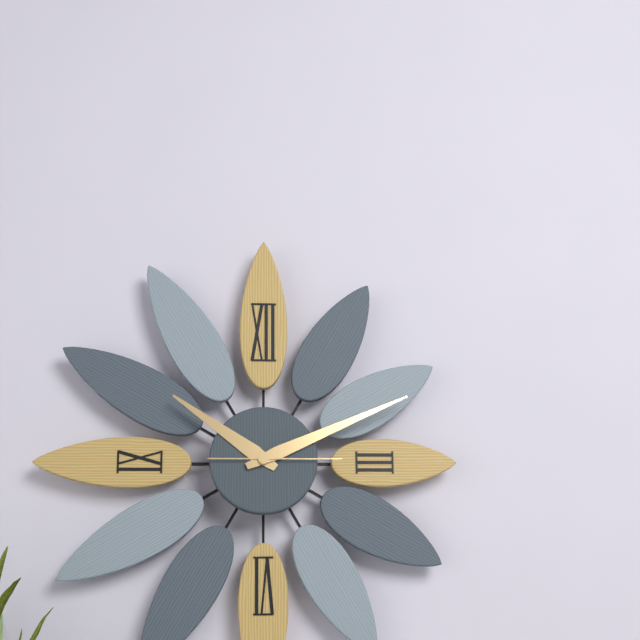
10:11:15
